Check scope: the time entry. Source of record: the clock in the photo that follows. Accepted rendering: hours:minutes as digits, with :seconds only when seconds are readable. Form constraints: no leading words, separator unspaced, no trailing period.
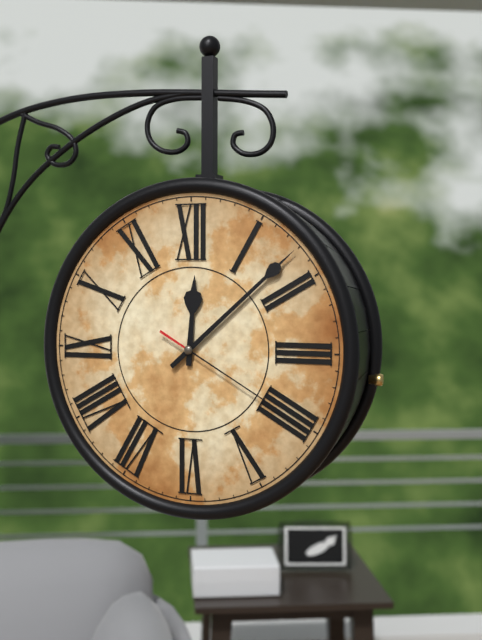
12:08:20
